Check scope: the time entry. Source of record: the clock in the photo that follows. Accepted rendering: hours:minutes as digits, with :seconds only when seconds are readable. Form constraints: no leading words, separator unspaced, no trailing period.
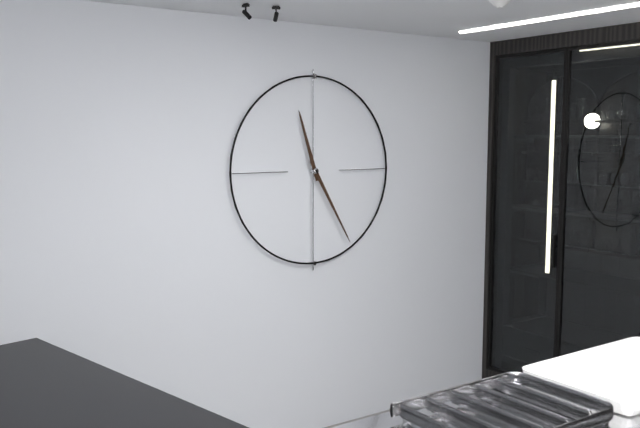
11:25
